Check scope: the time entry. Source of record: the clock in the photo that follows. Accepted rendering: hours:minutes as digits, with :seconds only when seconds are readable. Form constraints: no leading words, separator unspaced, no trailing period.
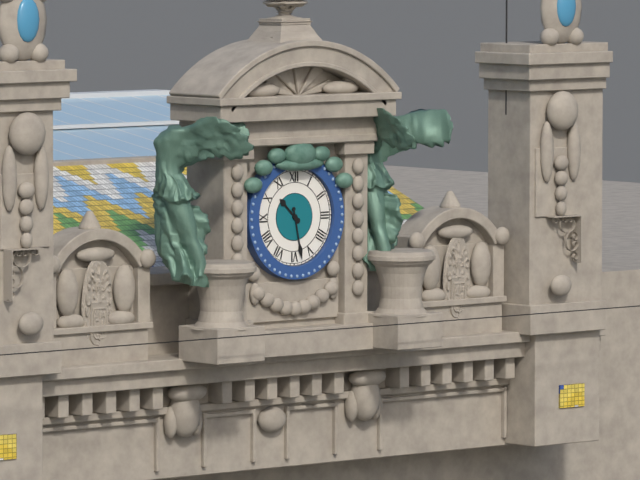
10:28
